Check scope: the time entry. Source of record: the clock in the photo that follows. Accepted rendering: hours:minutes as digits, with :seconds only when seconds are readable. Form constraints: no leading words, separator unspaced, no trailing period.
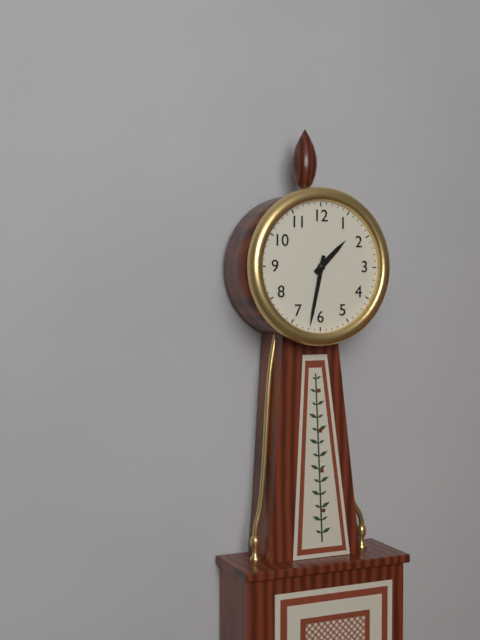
1:32
